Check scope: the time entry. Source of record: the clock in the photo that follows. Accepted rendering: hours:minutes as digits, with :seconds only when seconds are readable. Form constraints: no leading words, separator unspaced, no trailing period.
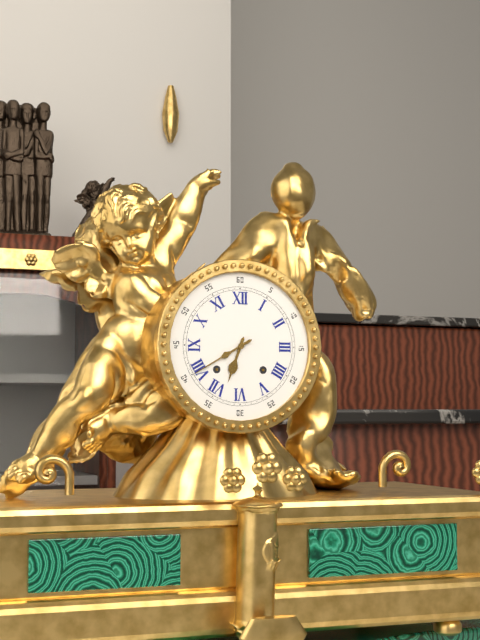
6:40
